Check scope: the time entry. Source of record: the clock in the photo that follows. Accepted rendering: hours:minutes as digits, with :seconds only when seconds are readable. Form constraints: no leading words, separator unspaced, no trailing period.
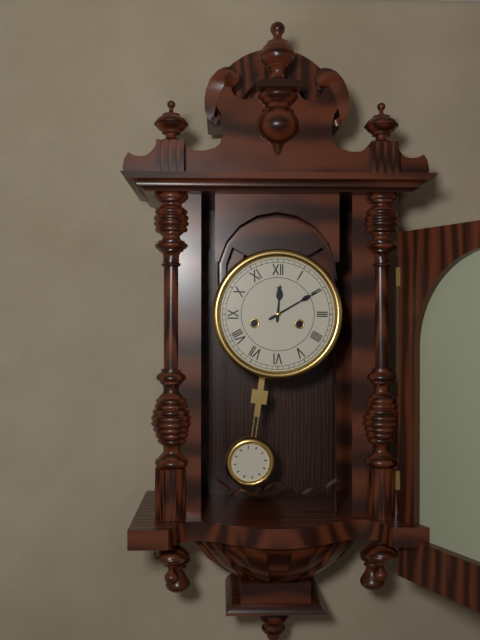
12:10
